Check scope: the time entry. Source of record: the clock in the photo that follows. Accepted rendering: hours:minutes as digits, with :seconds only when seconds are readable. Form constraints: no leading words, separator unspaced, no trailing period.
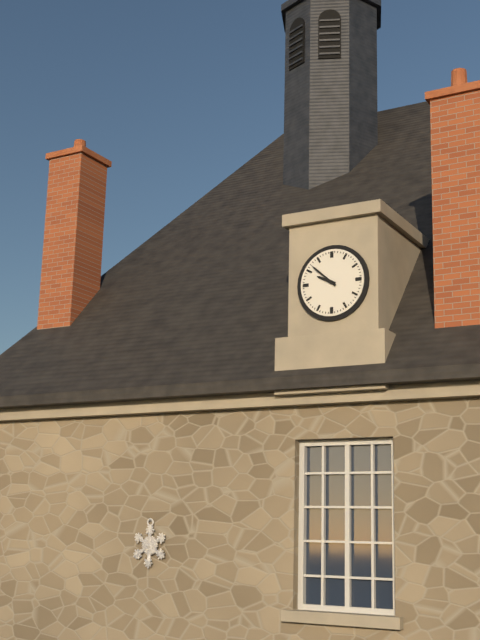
9:52
